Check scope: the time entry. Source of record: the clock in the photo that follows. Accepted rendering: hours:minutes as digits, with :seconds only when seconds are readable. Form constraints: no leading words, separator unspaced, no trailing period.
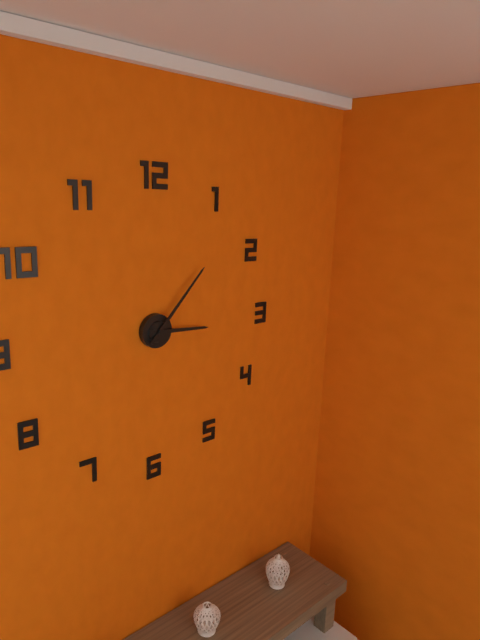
3:07
